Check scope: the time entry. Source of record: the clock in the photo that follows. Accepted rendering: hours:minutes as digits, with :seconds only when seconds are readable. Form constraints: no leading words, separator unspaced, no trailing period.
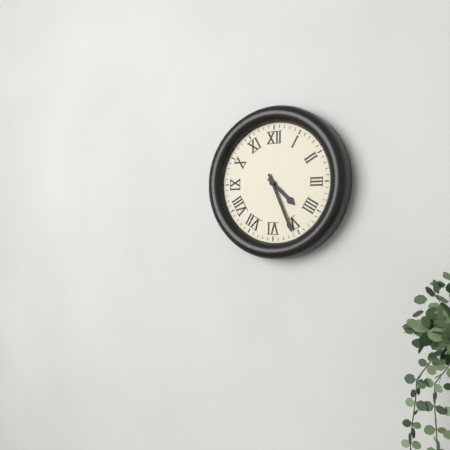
4:26
